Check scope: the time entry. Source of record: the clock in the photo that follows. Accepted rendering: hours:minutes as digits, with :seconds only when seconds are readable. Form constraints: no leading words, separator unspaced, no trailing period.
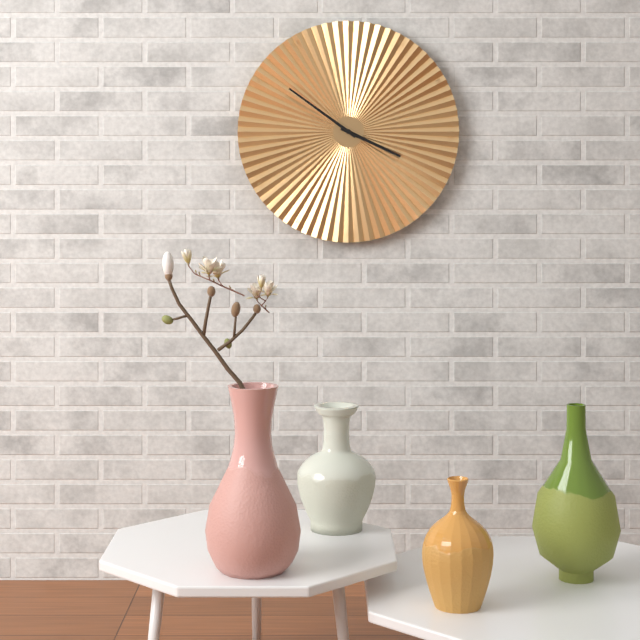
3:51
